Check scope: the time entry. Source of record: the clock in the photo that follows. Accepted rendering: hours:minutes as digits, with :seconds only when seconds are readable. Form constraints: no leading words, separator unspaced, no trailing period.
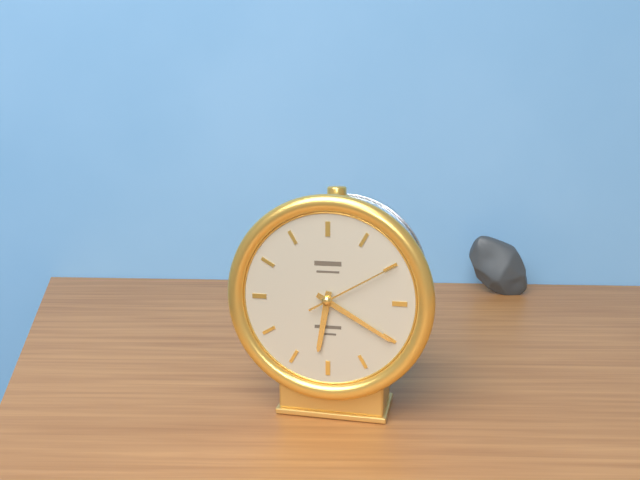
6:20:10
